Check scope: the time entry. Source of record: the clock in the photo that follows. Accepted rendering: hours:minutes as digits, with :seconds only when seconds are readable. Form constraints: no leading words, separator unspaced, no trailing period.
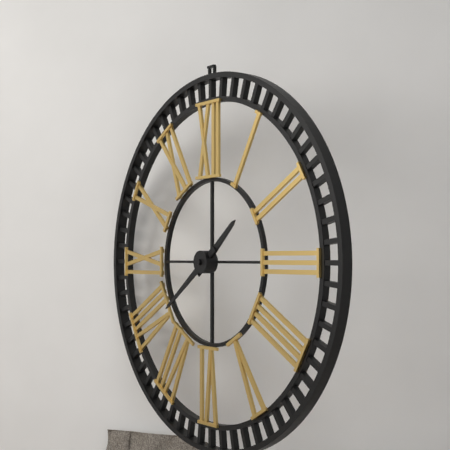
1:39
